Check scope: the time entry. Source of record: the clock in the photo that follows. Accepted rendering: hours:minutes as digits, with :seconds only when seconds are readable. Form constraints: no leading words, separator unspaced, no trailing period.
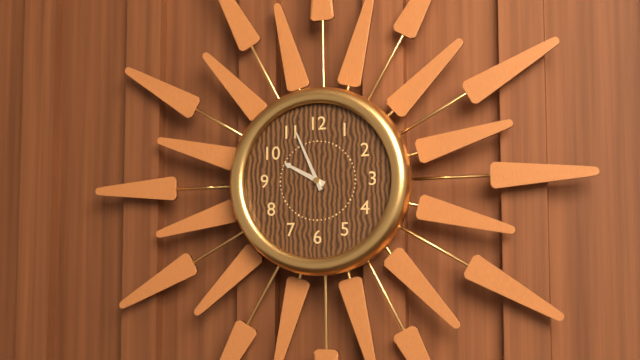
9:56
